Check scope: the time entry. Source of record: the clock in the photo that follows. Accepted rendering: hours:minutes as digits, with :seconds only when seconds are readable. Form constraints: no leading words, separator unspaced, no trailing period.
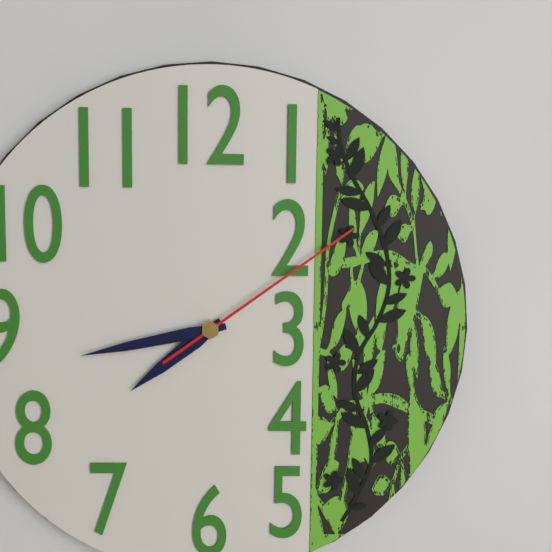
7:43:09
